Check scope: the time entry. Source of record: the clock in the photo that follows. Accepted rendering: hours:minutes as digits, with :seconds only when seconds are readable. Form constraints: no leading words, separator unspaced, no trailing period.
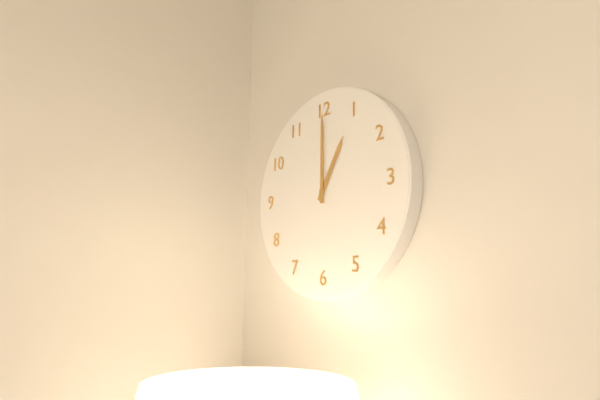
1:00
